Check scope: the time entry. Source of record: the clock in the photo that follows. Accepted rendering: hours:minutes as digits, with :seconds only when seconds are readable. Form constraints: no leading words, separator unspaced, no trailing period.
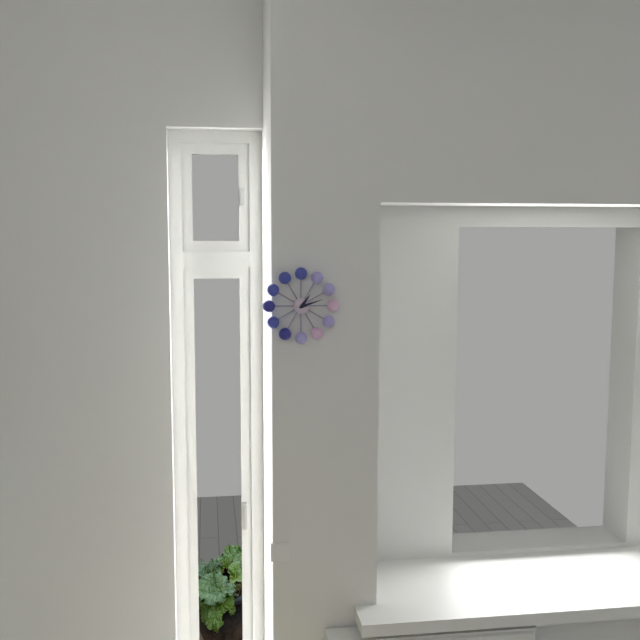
1:12
